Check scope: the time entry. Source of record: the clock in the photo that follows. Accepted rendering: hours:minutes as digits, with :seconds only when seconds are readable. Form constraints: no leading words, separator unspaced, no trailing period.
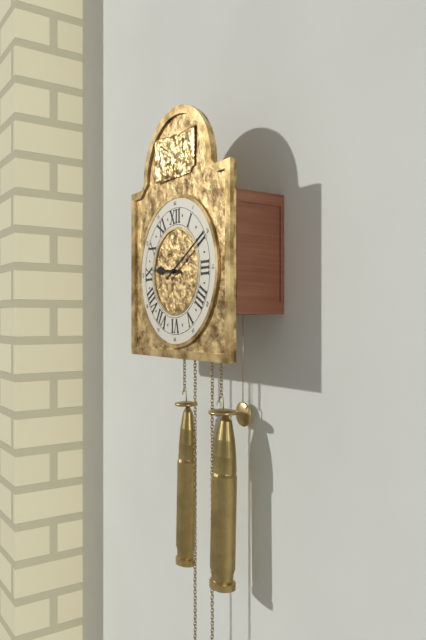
9:10
